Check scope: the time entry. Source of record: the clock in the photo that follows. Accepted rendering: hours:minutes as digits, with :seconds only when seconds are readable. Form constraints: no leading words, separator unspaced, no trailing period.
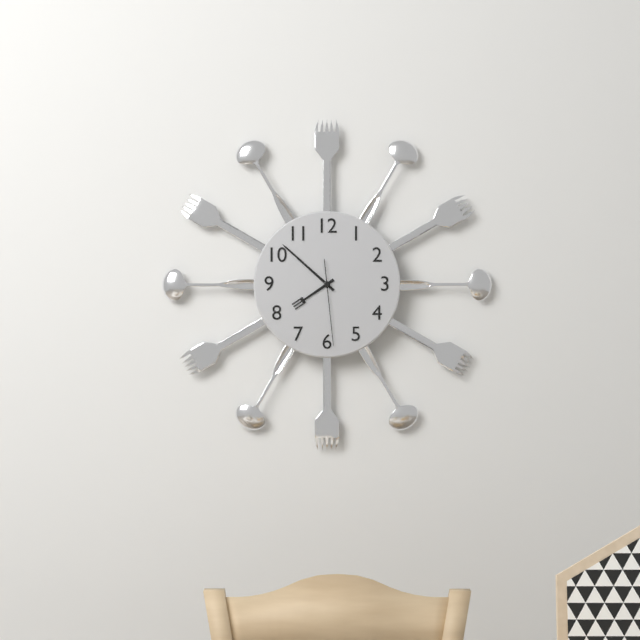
7:52:29
